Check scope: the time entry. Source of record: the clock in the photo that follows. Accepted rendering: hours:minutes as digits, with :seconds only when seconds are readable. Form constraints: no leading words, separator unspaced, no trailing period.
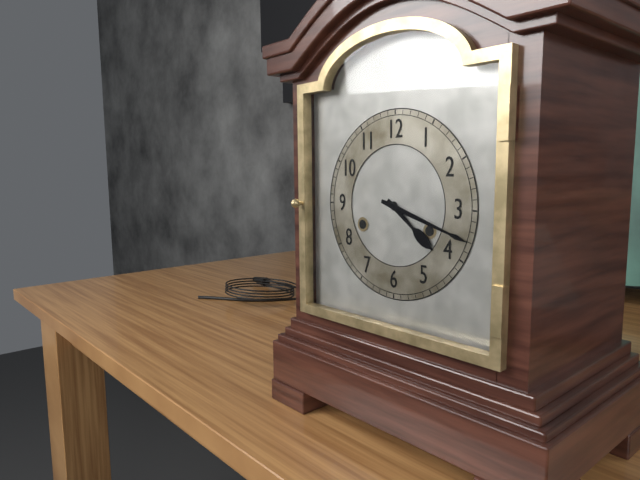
4:18
